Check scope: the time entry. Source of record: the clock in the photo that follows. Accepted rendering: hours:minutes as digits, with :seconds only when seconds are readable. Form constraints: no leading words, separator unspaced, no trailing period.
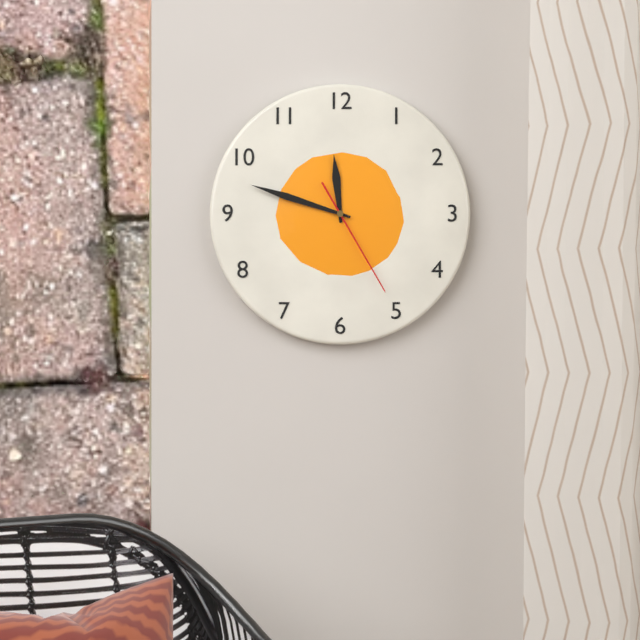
11:48:25
